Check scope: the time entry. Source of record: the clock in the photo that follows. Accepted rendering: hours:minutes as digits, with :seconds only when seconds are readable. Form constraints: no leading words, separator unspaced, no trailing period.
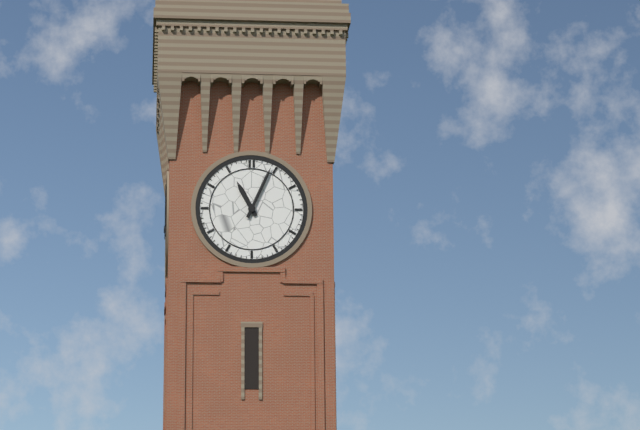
11:04
